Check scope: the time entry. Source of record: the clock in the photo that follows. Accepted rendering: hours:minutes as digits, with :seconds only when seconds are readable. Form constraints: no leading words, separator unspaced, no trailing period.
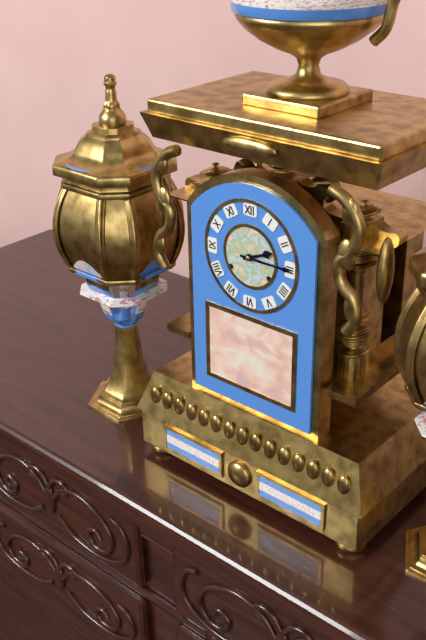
2:15
